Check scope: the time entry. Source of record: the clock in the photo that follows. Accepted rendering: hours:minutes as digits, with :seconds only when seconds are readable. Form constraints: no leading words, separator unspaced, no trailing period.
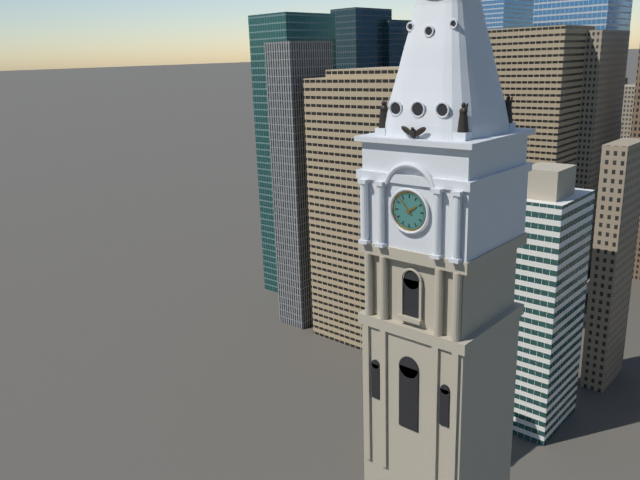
1:53
